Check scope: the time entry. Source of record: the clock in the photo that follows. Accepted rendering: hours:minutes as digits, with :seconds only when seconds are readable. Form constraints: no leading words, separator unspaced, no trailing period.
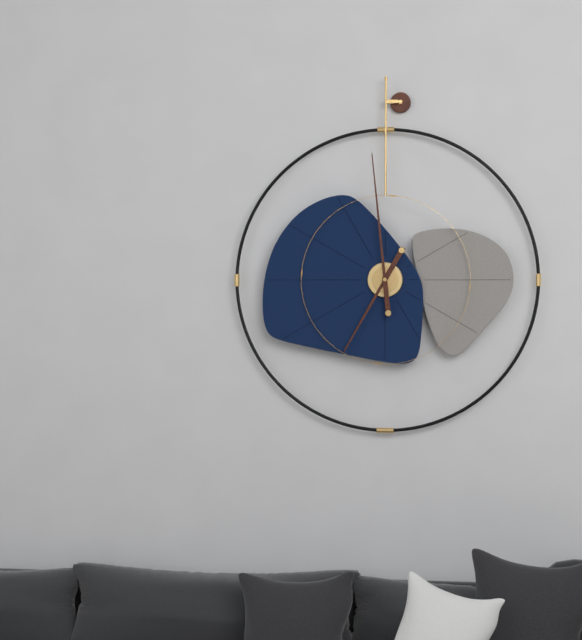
6:59
